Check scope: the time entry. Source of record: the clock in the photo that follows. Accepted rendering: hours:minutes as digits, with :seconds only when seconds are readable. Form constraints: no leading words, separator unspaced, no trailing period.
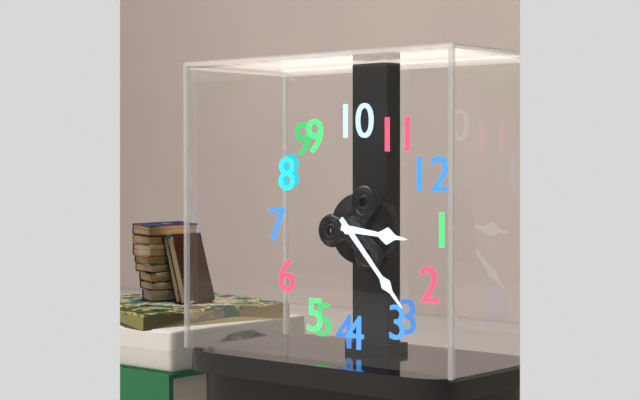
1:13
